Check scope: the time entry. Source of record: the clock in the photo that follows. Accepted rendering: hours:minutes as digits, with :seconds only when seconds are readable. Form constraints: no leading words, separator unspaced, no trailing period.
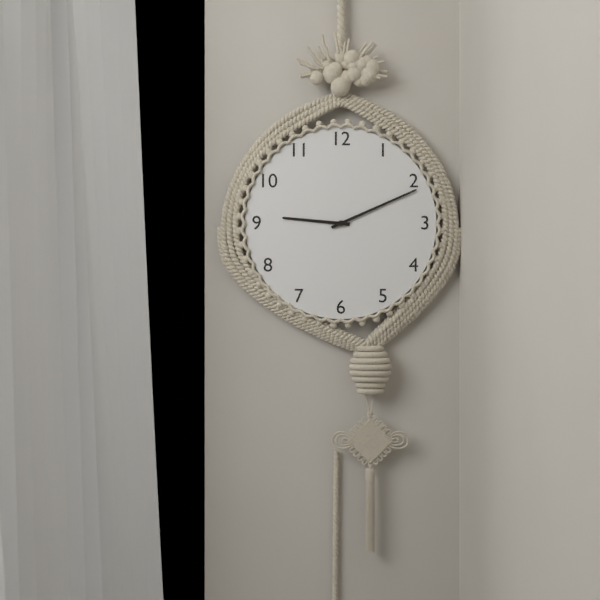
9:11
